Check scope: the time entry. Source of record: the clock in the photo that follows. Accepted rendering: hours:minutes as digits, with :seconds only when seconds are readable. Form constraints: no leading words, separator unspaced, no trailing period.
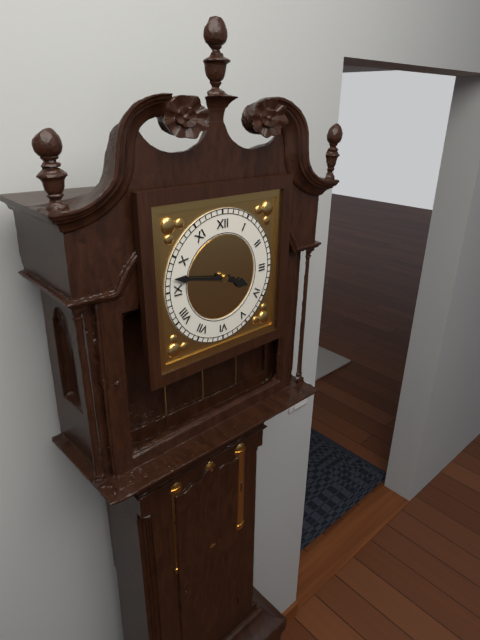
3:47
